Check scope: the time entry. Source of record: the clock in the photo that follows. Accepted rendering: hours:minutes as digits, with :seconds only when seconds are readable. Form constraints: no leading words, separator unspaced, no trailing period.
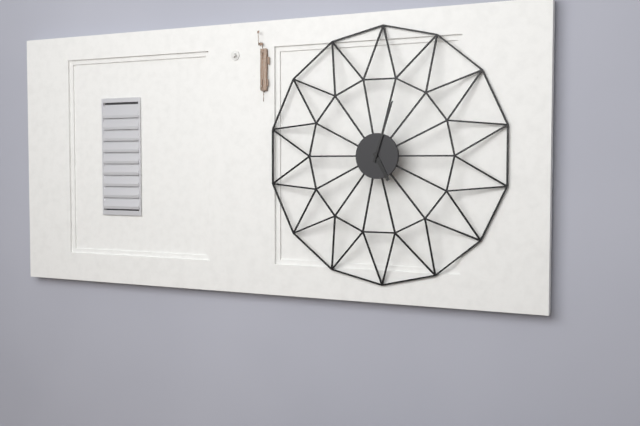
5:03
